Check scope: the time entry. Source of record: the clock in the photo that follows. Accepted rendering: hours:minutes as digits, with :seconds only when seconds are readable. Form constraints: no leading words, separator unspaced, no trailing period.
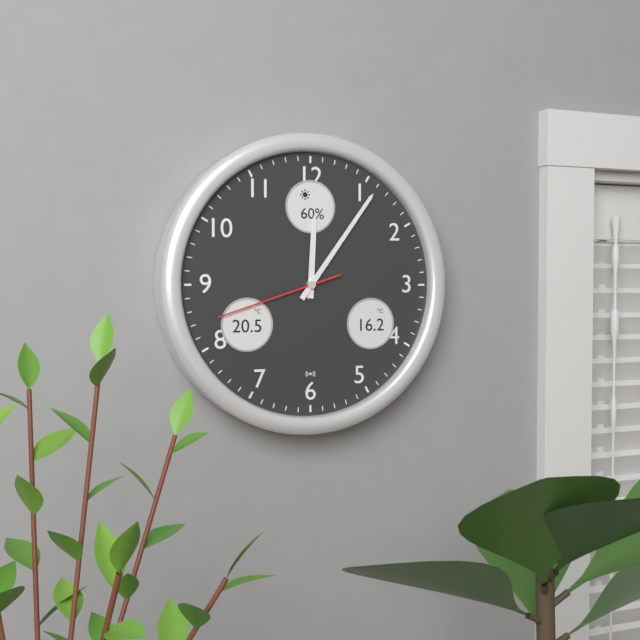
12:06:42
